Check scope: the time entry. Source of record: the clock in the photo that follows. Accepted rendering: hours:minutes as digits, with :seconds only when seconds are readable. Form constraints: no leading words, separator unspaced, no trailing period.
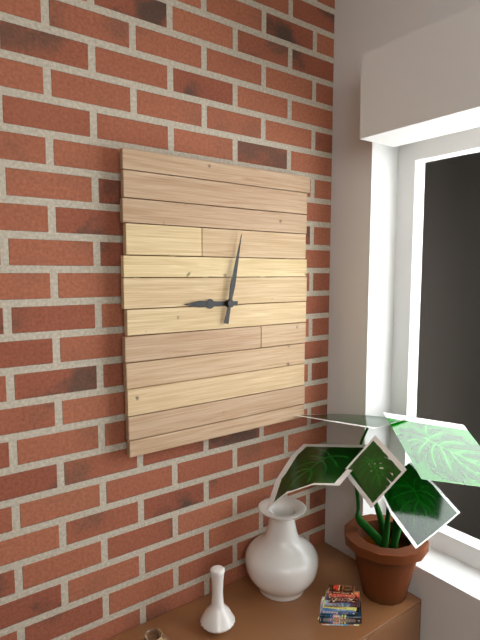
9:02
